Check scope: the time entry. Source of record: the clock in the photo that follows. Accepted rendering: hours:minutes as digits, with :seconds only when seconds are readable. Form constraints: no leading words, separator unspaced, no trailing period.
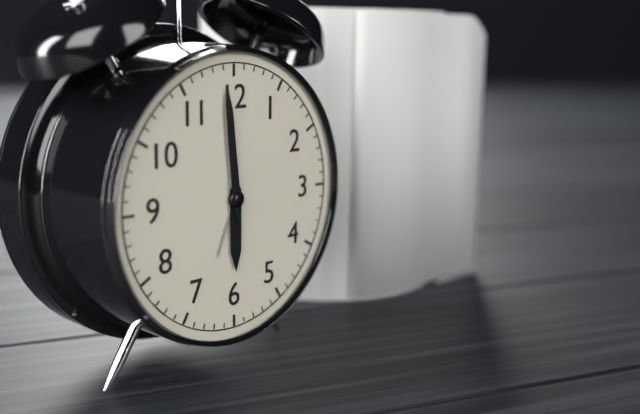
5:59
